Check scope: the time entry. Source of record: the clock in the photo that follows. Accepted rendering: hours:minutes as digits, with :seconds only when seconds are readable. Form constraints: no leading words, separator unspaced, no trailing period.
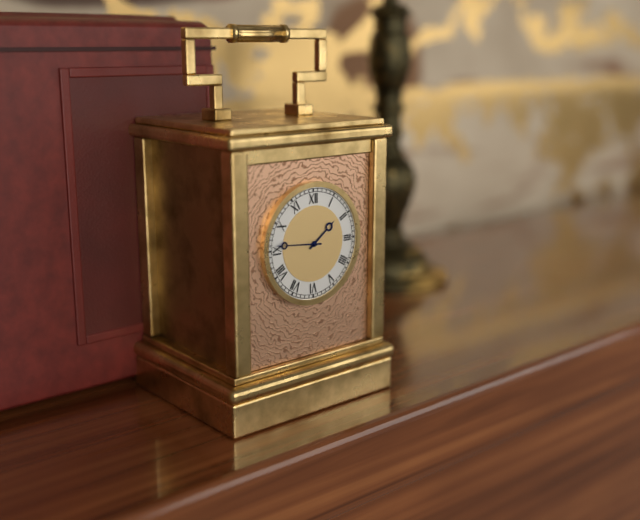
1:46
